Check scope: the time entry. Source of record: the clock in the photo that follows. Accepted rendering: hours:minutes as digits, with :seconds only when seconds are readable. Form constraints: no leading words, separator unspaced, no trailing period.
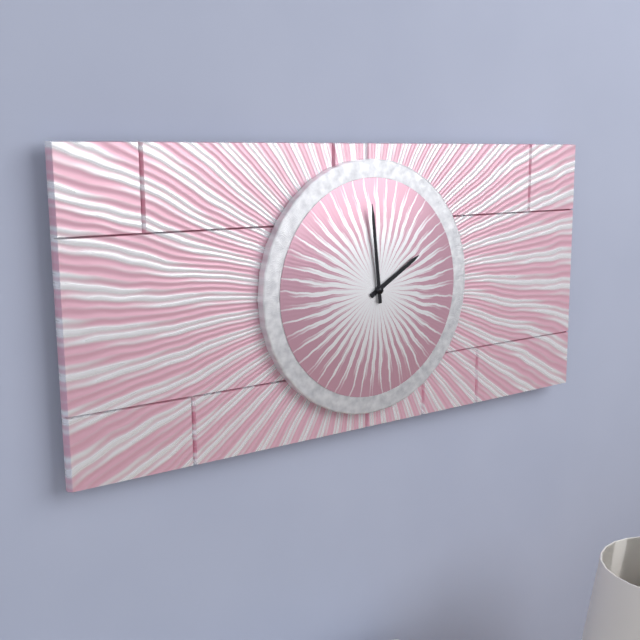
1:59
